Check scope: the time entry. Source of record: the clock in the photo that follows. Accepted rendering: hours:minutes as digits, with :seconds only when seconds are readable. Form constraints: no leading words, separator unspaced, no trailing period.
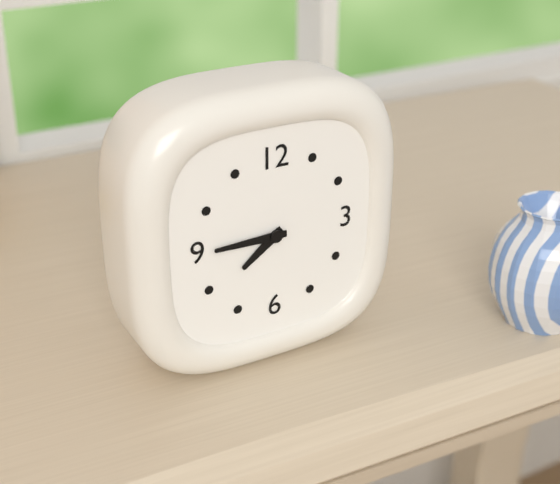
7:45
